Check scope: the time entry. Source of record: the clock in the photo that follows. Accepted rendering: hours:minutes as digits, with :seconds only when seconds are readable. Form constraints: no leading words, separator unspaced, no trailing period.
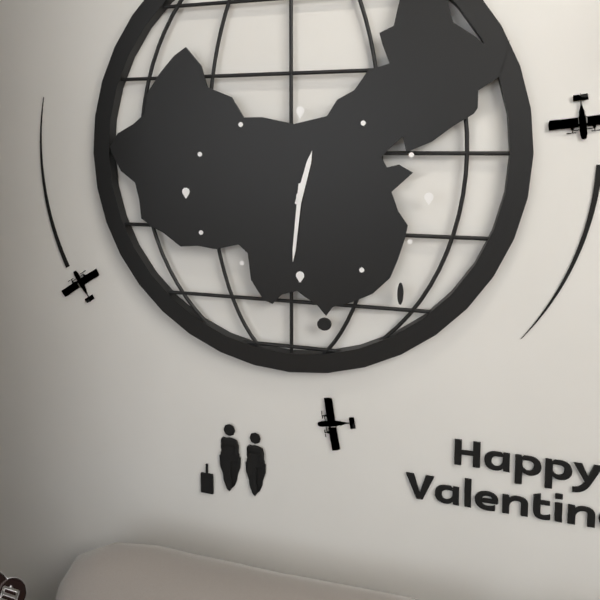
12:31
